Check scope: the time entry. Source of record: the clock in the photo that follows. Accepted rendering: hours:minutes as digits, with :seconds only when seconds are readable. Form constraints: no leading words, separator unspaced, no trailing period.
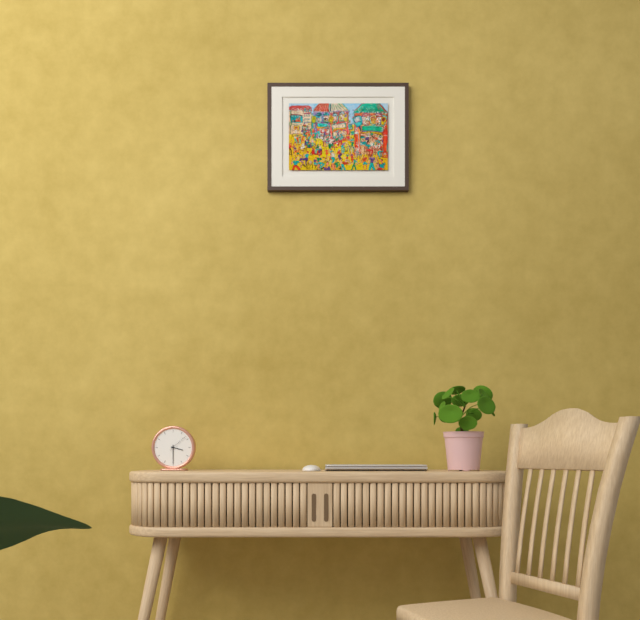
3:30
